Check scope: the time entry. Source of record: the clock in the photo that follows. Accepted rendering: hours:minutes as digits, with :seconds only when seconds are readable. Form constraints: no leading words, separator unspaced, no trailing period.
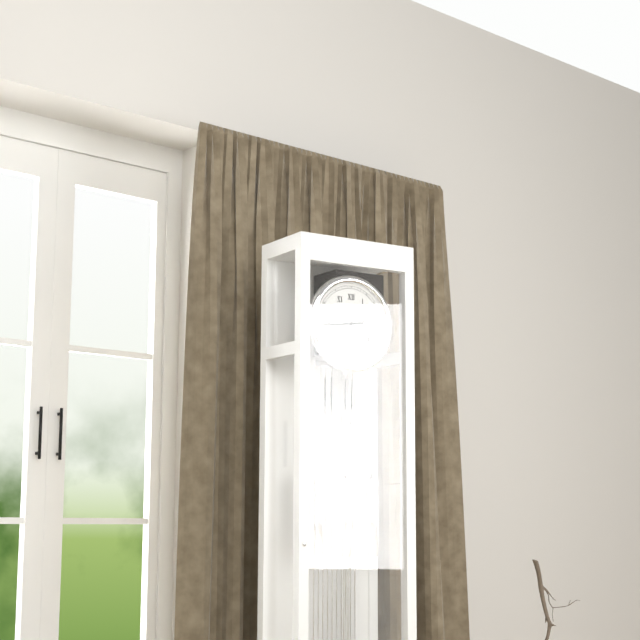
2:44
